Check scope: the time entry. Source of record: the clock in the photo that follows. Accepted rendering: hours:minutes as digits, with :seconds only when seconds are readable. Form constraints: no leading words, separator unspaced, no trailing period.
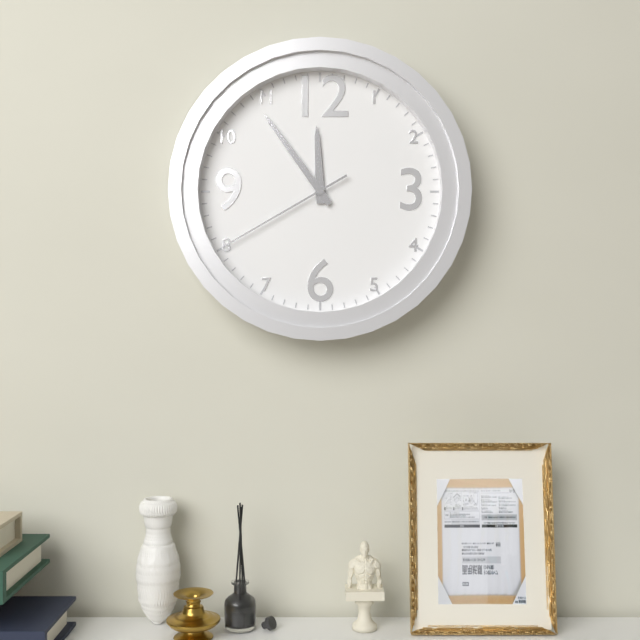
11:54:40
